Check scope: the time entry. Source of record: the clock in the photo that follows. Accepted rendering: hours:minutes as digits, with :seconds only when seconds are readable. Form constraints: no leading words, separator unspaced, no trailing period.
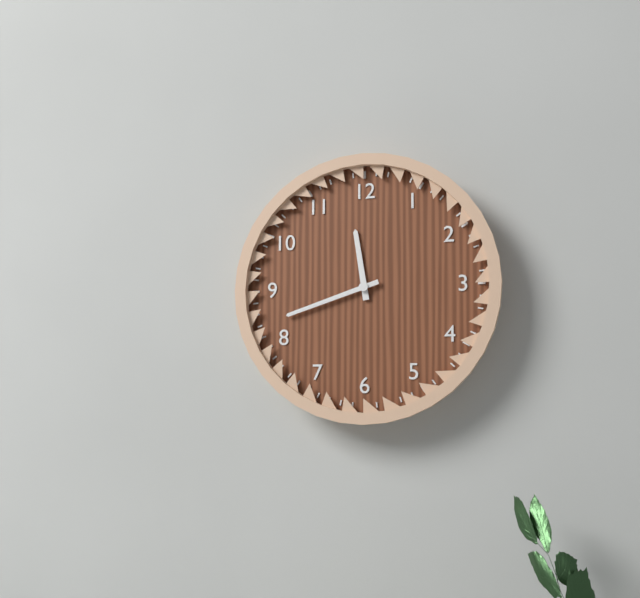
11:42
